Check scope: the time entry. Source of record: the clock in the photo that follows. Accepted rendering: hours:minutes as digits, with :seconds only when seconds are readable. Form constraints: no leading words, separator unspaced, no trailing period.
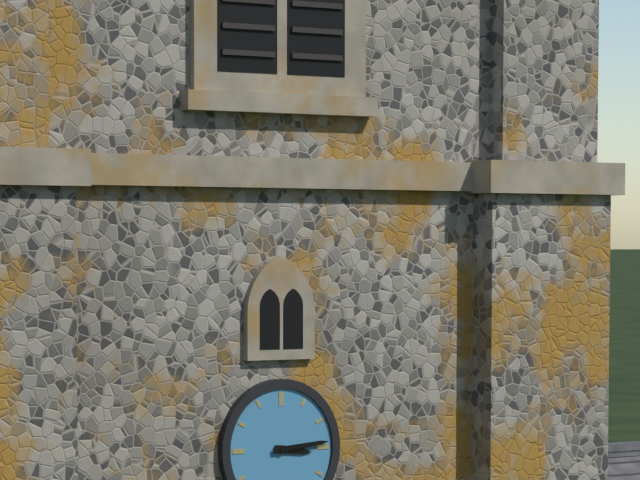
3:14
